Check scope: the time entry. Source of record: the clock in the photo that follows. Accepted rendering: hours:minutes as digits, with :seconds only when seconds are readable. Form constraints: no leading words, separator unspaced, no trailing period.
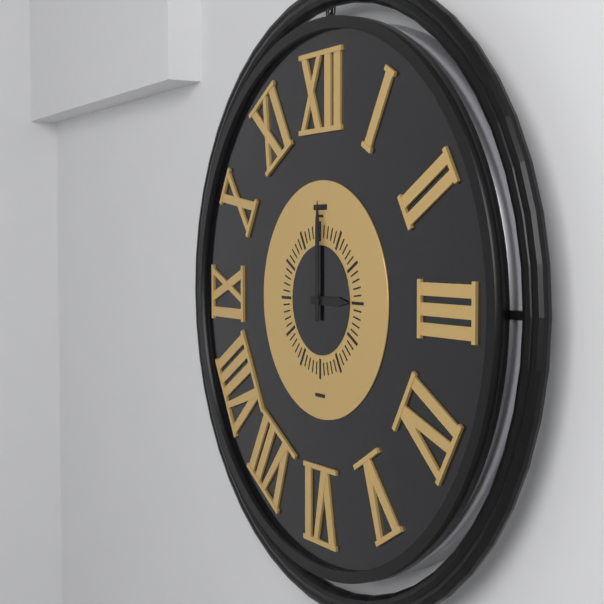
3:00
